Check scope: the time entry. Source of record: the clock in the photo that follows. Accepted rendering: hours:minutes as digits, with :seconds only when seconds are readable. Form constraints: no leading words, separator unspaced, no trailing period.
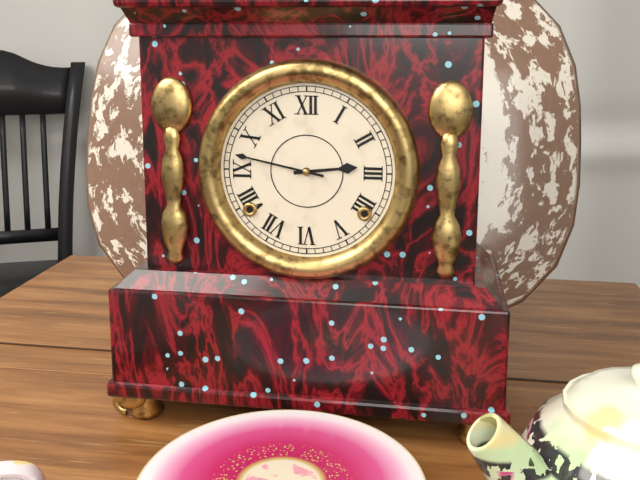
2:47
